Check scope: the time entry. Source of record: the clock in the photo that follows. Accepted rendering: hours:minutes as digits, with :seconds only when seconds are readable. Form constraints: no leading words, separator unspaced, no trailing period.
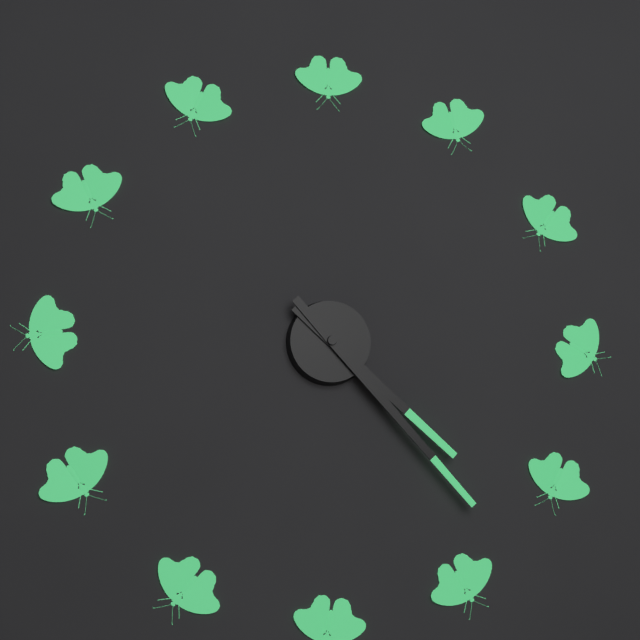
4:23
